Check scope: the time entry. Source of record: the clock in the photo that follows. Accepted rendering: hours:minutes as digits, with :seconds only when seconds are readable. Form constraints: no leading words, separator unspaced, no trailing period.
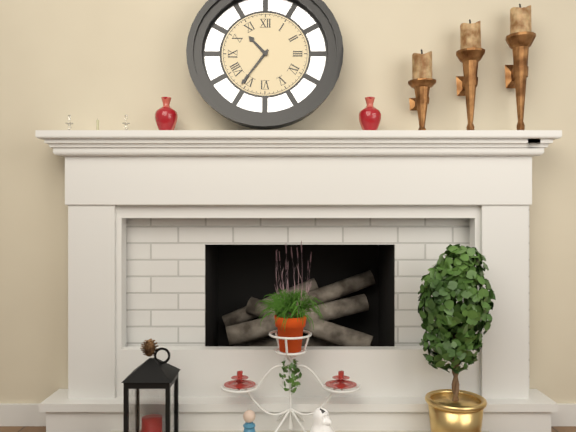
10:36
